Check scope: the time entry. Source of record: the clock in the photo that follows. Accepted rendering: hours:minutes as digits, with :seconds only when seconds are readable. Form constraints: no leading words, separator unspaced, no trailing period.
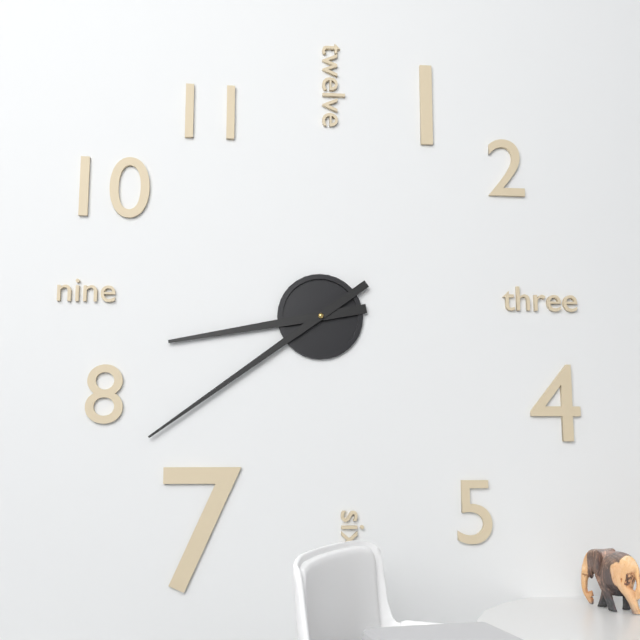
8:39
